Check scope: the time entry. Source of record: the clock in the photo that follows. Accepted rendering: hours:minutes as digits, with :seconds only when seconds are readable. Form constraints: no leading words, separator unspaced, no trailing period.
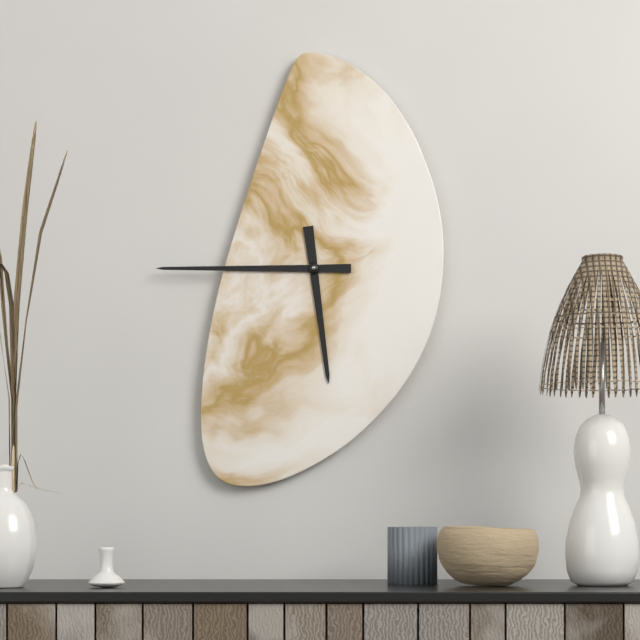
5:45
